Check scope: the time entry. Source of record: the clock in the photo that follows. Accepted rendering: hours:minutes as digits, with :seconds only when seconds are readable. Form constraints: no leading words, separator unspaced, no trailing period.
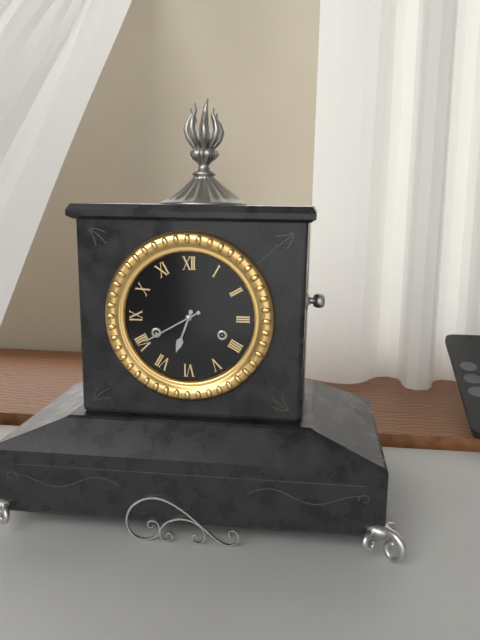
6:40
